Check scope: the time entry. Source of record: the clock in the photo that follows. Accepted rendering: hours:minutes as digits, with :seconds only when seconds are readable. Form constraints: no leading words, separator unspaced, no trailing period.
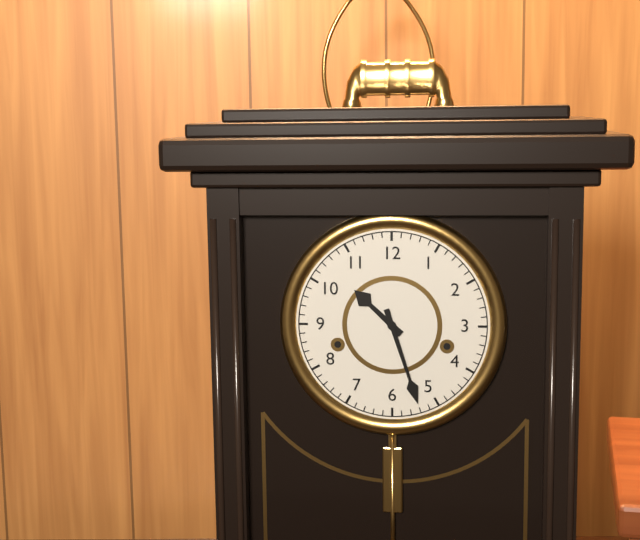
10:27
